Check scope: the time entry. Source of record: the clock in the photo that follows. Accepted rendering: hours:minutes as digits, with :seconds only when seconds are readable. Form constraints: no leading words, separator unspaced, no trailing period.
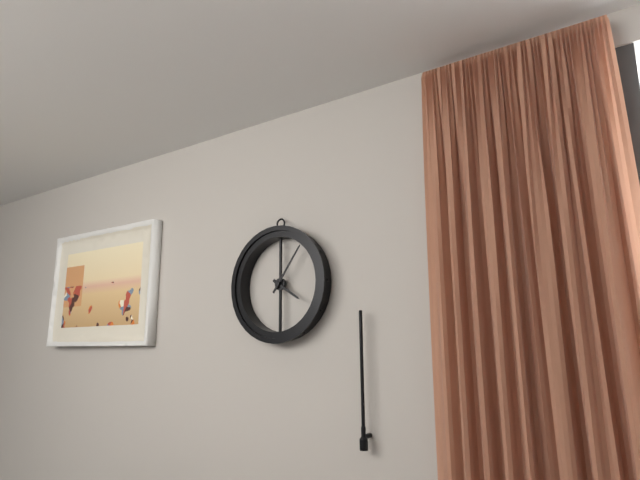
4:06
